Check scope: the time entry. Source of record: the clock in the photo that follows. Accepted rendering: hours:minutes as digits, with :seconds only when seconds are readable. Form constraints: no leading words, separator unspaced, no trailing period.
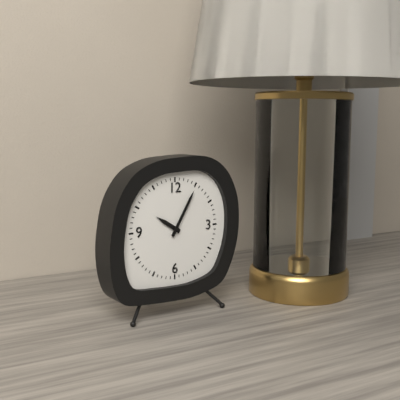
10:05
